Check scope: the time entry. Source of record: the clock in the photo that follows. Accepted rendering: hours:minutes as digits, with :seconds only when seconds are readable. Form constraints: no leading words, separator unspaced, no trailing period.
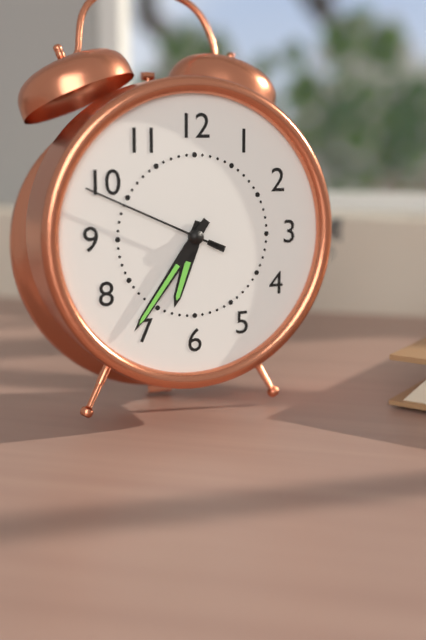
6:36:49
